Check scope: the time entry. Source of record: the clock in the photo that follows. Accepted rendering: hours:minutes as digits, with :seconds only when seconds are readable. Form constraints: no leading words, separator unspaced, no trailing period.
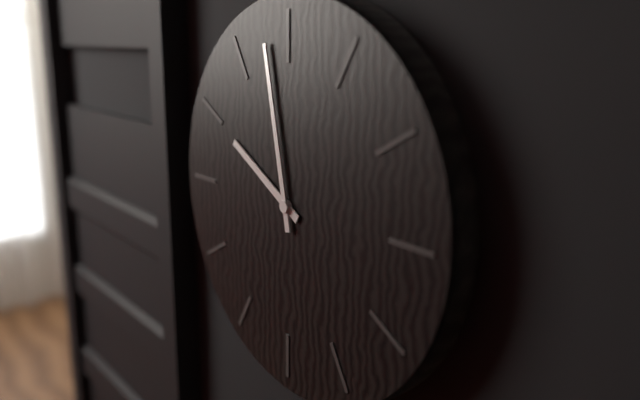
9:58
